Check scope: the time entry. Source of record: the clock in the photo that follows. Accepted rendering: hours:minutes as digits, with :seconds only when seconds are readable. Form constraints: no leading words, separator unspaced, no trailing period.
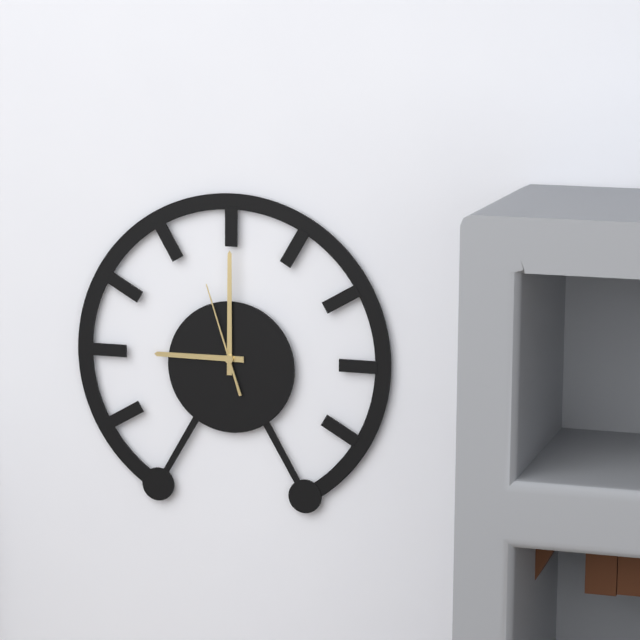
9:00:57
